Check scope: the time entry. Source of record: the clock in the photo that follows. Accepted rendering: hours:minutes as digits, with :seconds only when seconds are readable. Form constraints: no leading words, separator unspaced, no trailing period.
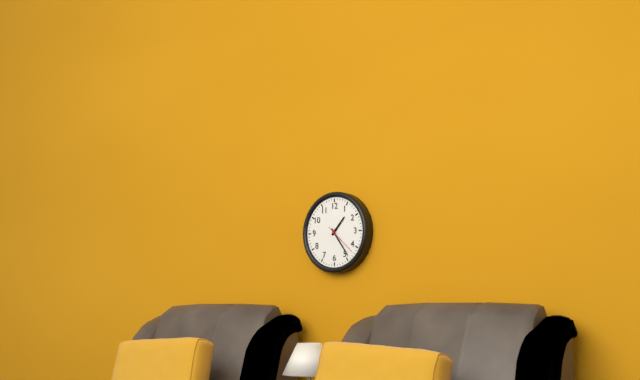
1:24
